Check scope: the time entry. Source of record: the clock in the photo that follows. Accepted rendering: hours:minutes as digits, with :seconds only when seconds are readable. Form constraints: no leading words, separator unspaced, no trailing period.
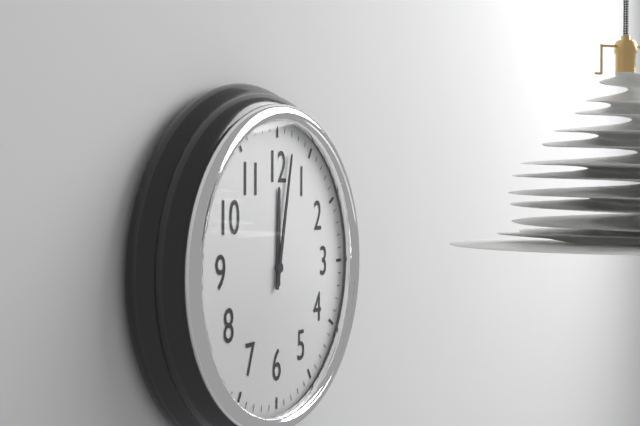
12:02
